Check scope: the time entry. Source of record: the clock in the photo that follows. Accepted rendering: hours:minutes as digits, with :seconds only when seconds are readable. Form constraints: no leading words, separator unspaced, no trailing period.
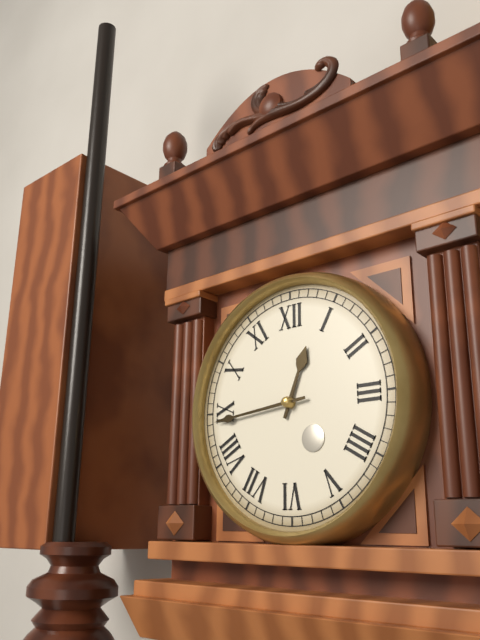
12:44
